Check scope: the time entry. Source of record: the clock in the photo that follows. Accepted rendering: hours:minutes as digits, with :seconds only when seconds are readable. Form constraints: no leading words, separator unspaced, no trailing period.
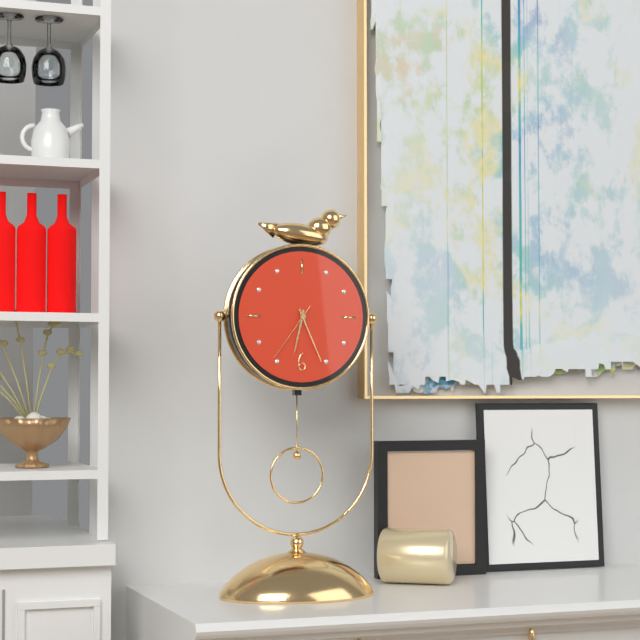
6:26:36
